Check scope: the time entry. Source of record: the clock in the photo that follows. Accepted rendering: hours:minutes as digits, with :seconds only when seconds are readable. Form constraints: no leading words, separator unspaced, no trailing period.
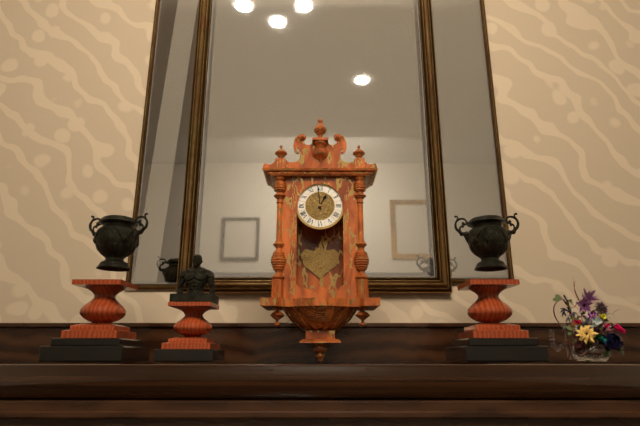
12:59
